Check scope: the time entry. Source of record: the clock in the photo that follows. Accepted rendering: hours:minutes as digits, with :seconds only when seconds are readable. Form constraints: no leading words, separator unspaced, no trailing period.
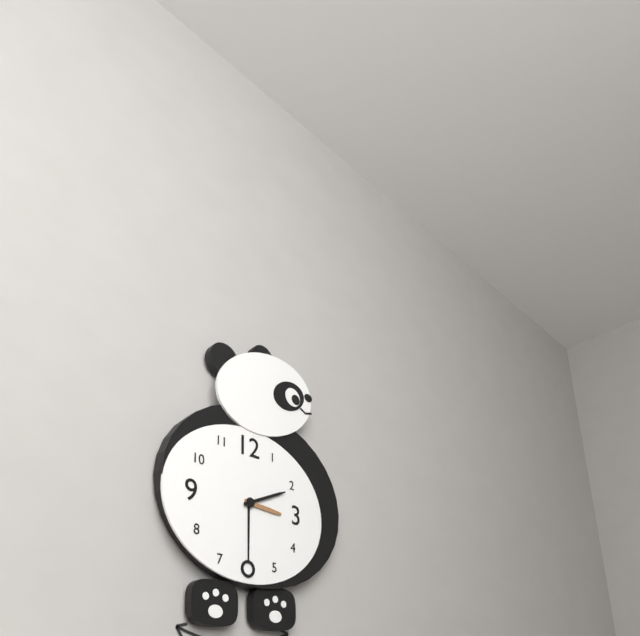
3:11
